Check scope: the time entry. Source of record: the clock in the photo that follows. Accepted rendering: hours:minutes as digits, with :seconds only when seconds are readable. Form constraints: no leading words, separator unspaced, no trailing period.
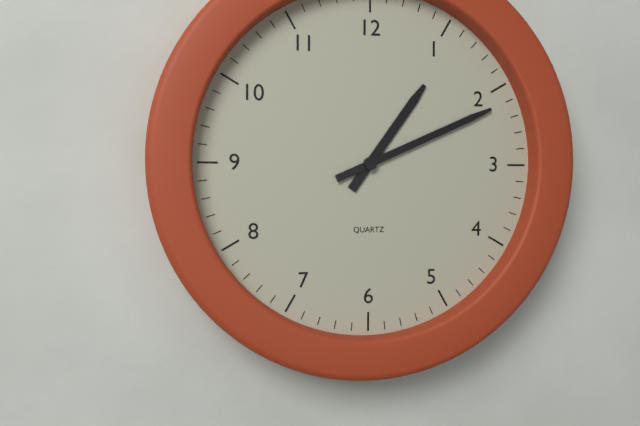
1:11
